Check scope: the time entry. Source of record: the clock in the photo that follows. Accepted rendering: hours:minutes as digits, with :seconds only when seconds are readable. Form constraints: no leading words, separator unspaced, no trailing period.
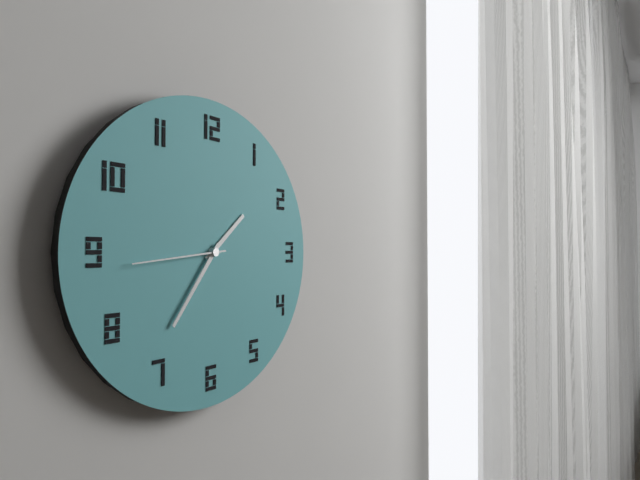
1:36:44
